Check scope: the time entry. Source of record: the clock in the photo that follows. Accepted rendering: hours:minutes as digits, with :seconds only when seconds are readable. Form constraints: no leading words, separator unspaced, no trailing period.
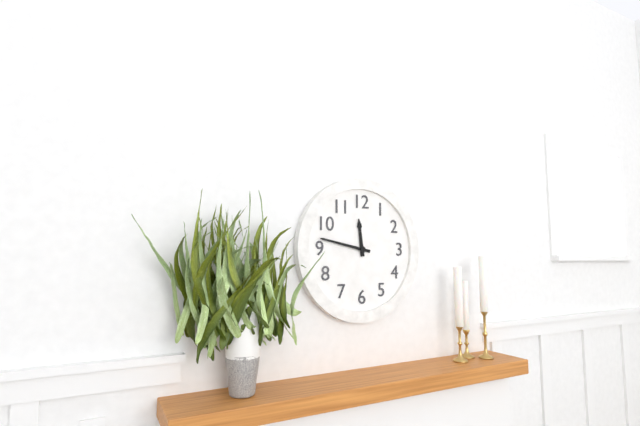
11:47
